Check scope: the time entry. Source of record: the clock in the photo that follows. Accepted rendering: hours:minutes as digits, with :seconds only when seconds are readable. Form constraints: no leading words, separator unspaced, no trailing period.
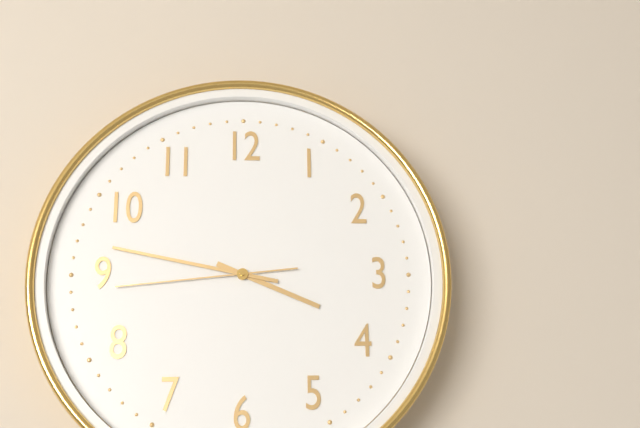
3:47:44
